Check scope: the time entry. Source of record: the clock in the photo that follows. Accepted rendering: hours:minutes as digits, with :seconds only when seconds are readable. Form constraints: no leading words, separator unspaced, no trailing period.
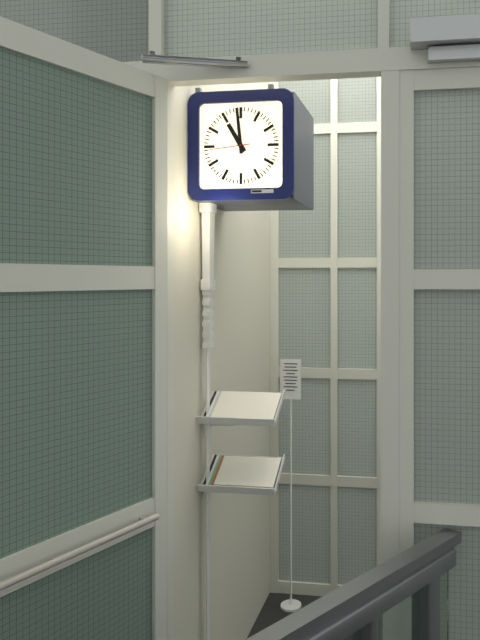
10:59
